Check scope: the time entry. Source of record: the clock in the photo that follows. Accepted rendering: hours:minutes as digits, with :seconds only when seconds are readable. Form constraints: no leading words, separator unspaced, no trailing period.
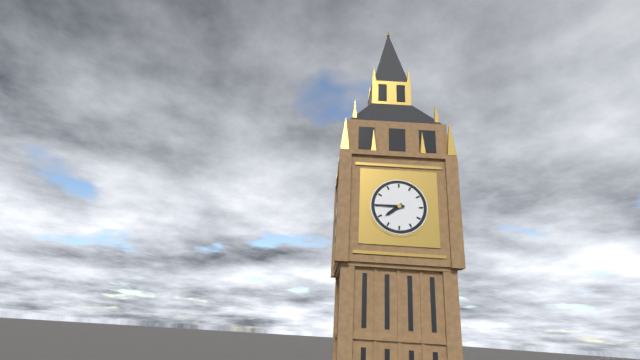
7:45
